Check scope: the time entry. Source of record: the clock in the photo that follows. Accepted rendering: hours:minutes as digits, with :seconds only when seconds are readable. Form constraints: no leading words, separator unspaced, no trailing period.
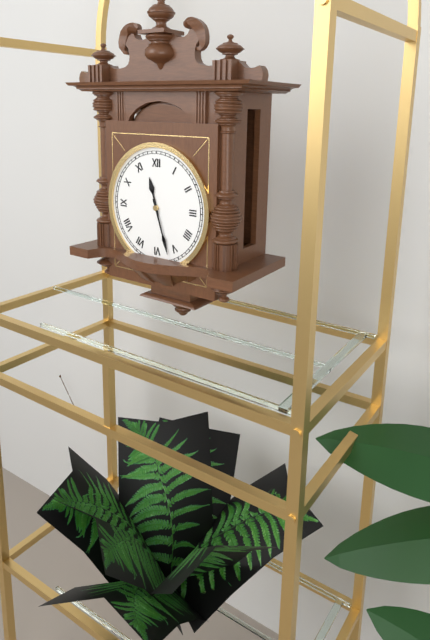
11:27
